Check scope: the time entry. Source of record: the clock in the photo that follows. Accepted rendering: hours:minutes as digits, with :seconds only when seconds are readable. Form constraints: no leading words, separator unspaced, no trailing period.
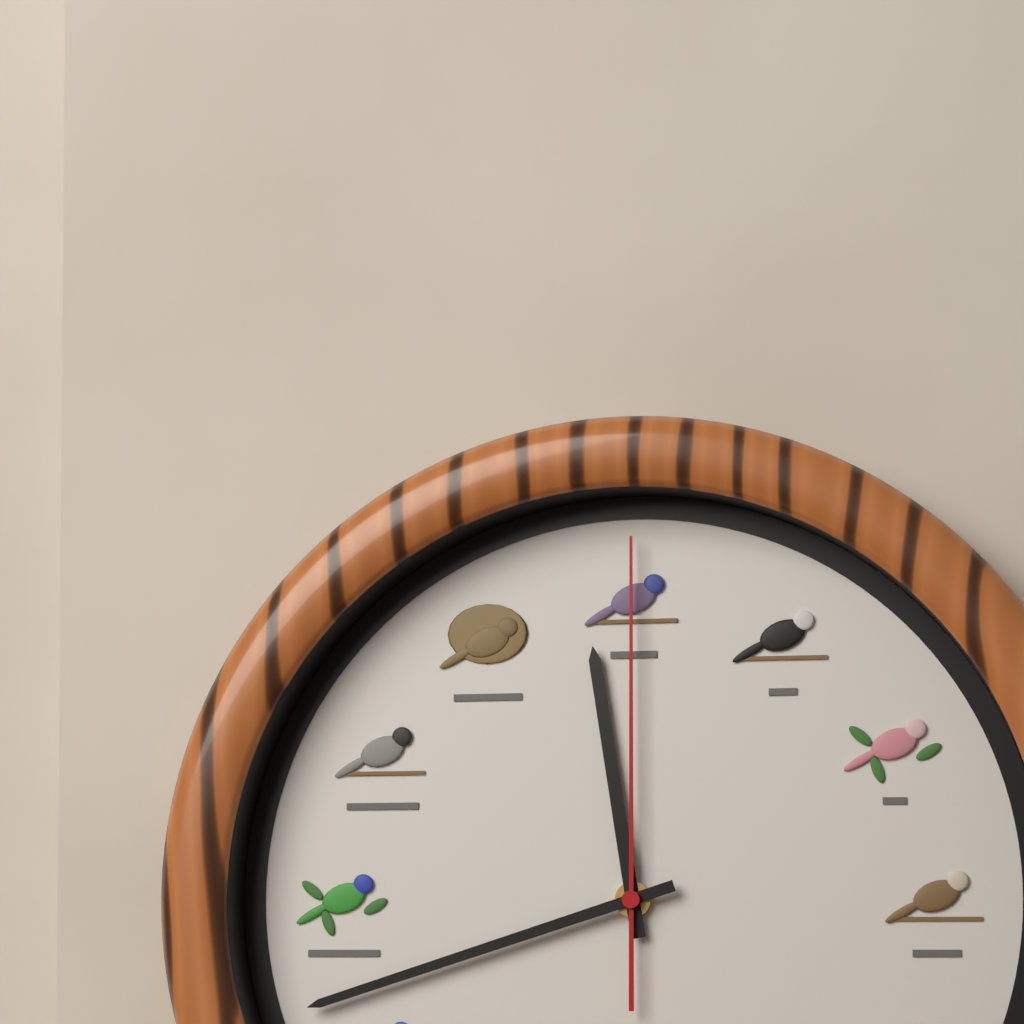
11:42:00
